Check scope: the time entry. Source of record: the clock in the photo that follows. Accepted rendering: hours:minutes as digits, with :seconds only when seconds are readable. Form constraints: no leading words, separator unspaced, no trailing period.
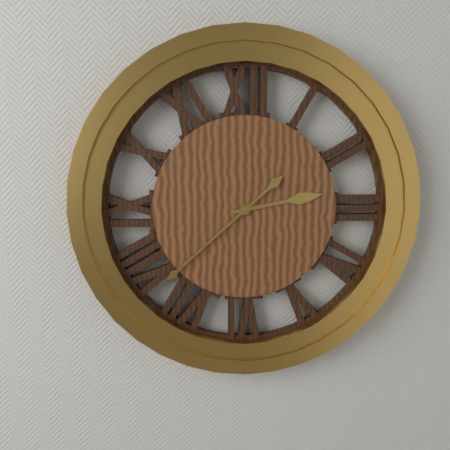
2:38
